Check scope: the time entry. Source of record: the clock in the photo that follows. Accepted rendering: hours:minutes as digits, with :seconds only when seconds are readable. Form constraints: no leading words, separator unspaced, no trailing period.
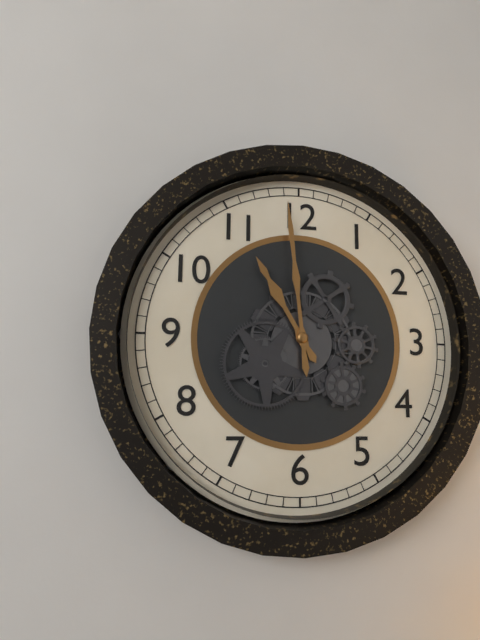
10:59
